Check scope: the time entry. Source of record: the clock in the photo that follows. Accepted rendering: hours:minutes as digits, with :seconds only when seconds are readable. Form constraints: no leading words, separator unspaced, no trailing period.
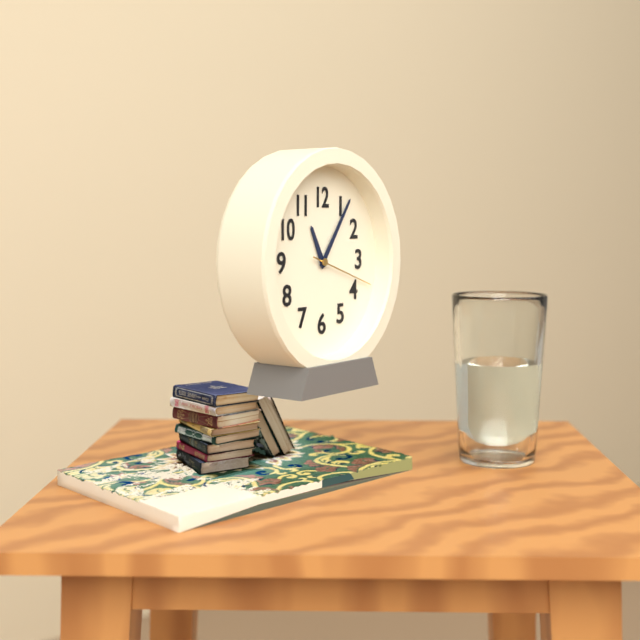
11:06:18
